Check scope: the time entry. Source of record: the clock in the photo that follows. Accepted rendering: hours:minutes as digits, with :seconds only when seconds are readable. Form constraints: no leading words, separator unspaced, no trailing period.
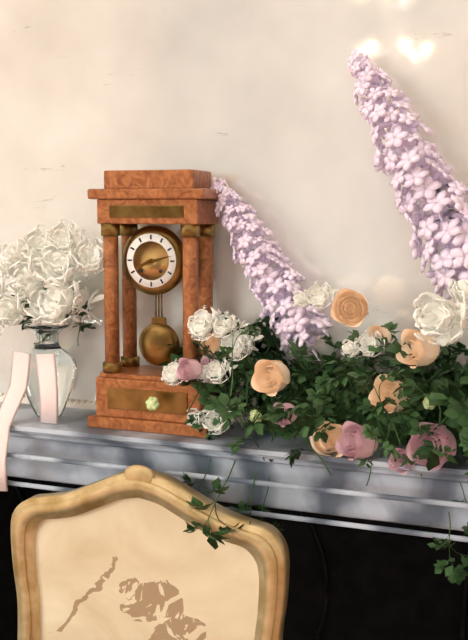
8:13
